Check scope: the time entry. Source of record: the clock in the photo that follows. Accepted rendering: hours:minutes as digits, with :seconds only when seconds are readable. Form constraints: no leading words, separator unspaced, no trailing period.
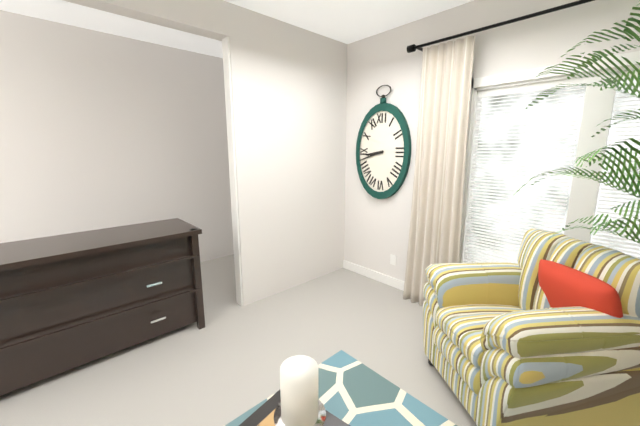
8:42
